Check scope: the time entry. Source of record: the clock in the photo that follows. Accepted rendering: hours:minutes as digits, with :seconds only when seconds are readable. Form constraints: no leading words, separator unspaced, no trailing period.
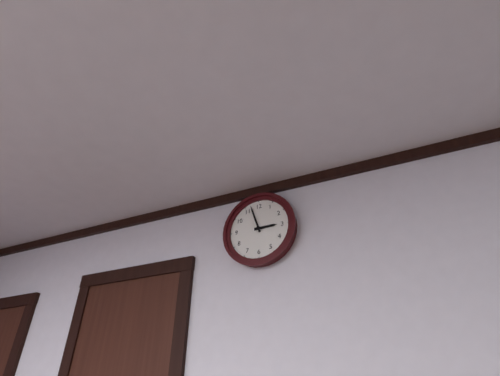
2:57
